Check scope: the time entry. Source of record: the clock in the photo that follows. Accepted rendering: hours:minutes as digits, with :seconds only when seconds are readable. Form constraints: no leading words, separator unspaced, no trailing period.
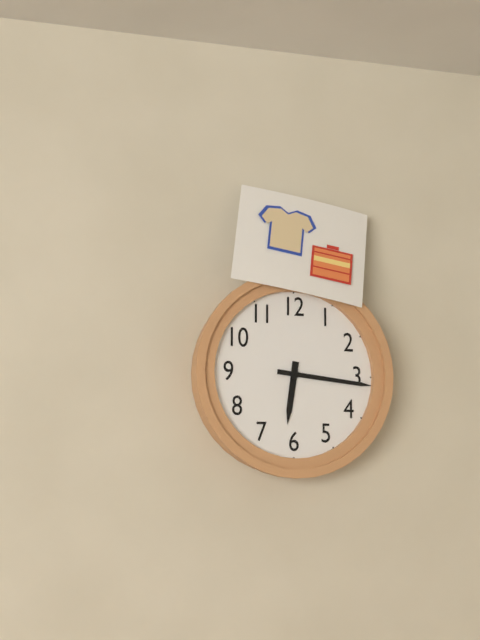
6:16
